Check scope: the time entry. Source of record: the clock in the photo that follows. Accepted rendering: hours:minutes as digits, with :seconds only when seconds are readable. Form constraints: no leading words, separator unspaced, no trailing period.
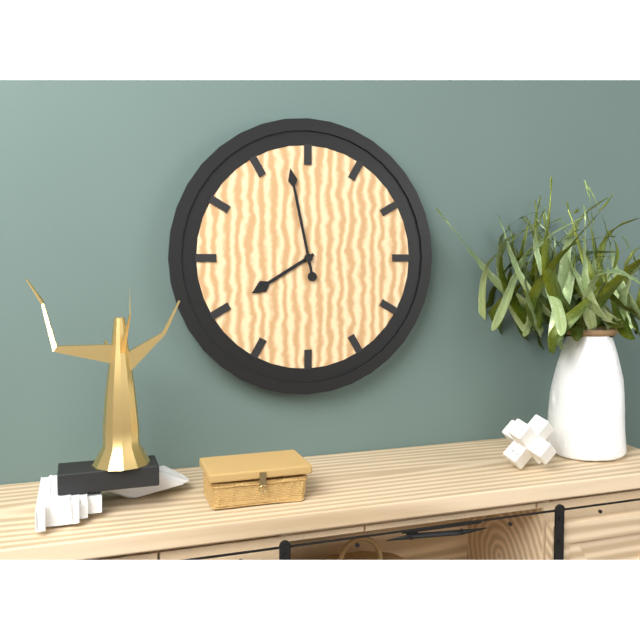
7:58
